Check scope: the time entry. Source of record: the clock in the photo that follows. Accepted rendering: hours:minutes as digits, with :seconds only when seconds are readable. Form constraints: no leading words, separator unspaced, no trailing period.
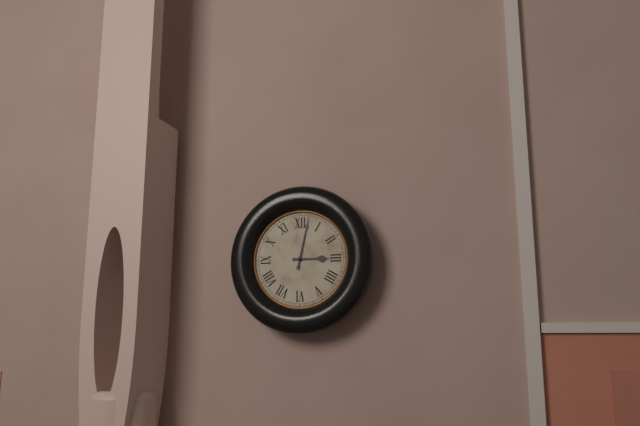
3:02
